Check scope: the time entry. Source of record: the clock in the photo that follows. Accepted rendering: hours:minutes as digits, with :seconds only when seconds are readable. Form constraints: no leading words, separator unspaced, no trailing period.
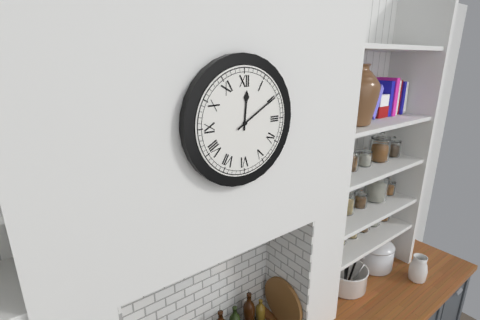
12:10
